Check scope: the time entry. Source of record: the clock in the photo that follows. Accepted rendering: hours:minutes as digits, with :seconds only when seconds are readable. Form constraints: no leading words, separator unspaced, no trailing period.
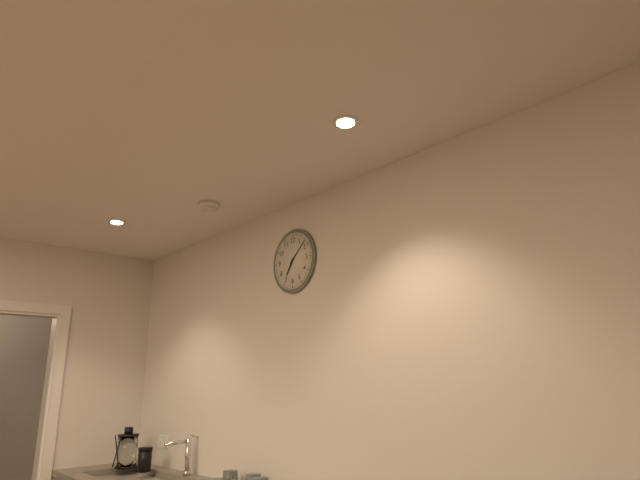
7:08
